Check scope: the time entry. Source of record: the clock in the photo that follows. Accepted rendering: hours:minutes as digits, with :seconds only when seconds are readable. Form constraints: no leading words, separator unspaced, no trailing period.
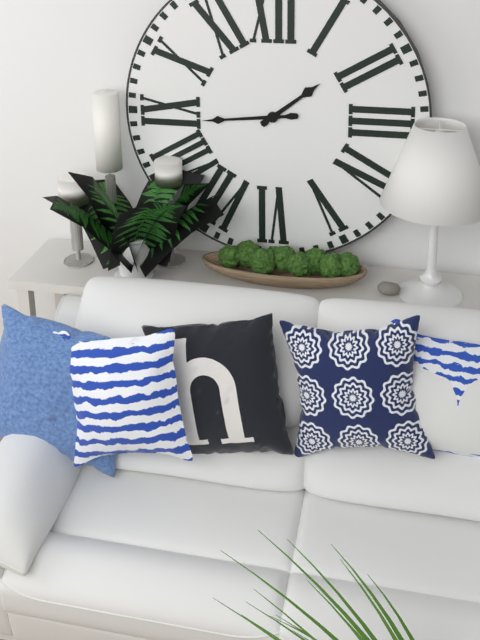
1:44
